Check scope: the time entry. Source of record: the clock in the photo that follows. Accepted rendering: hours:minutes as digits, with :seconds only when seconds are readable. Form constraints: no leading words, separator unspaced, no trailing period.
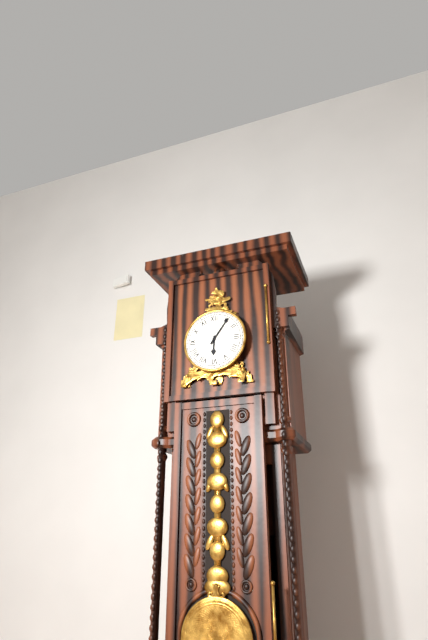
6:06
